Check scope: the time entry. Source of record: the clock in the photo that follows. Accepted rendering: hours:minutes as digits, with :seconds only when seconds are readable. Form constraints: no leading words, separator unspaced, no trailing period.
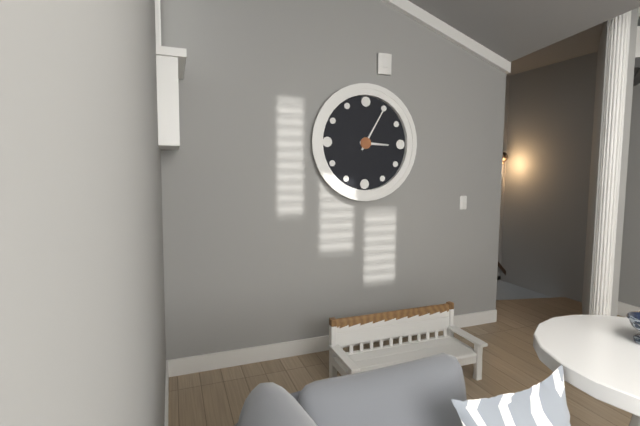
3:05
